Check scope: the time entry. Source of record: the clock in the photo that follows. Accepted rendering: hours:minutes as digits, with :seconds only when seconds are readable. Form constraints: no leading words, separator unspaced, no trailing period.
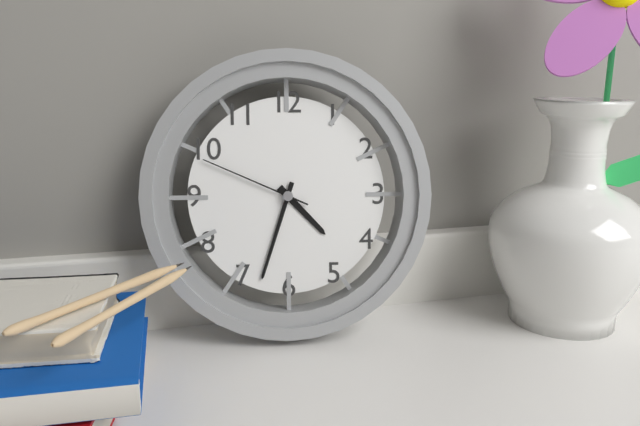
4:33:49
